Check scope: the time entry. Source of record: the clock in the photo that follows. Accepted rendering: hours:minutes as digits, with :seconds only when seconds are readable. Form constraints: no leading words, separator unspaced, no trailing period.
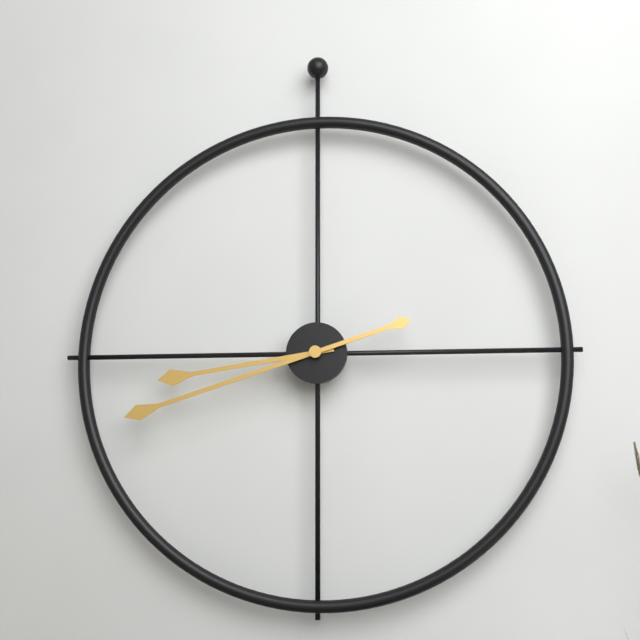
8:42
